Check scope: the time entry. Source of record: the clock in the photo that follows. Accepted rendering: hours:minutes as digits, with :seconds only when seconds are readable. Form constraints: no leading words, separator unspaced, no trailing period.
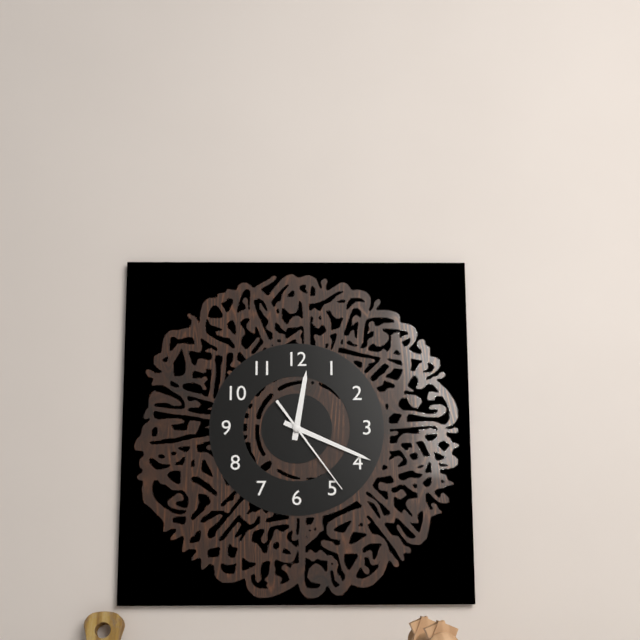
12:19:24
